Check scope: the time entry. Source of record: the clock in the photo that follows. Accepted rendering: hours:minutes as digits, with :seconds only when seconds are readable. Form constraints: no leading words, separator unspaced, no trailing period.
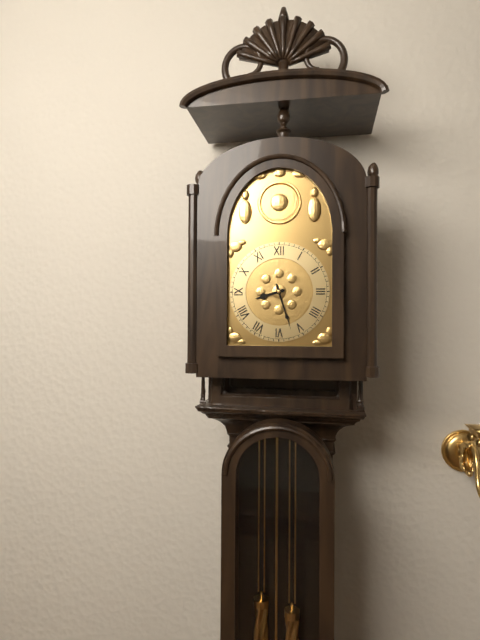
8:27
